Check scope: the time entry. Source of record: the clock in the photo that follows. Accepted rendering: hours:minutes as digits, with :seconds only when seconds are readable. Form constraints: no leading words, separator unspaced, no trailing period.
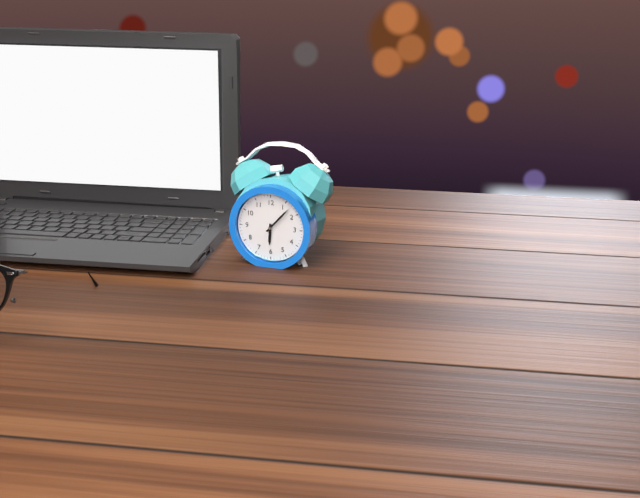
6:07
